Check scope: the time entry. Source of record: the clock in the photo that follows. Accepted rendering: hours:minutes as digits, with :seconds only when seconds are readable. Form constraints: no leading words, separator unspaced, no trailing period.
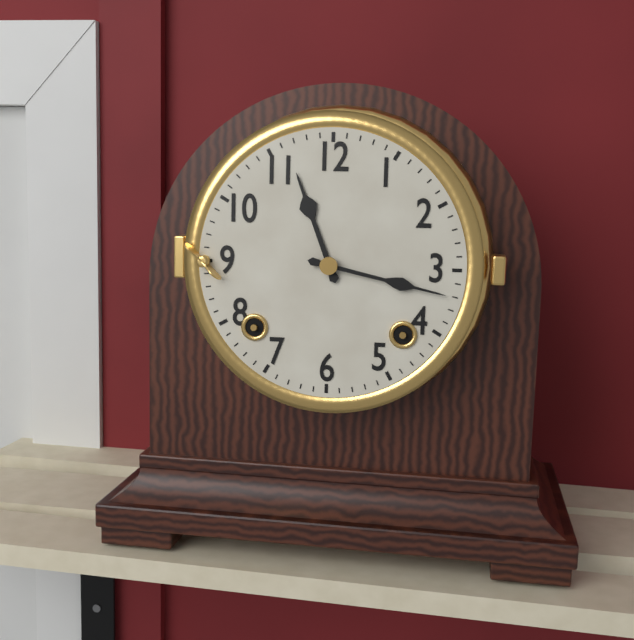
11:17
